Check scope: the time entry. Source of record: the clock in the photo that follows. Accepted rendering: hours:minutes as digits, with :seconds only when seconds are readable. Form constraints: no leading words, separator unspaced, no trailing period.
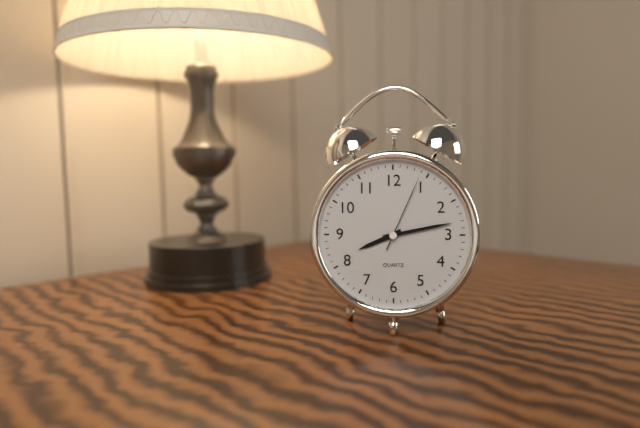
8:13:04
